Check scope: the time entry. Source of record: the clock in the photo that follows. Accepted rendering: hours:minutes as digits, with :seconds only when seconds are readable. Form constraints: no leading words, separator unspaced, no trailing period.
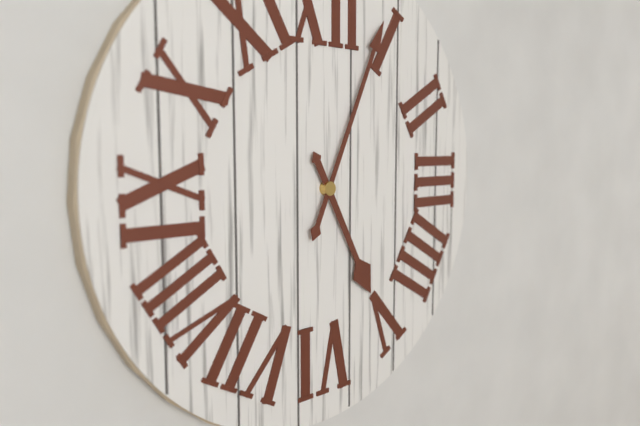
5:04
